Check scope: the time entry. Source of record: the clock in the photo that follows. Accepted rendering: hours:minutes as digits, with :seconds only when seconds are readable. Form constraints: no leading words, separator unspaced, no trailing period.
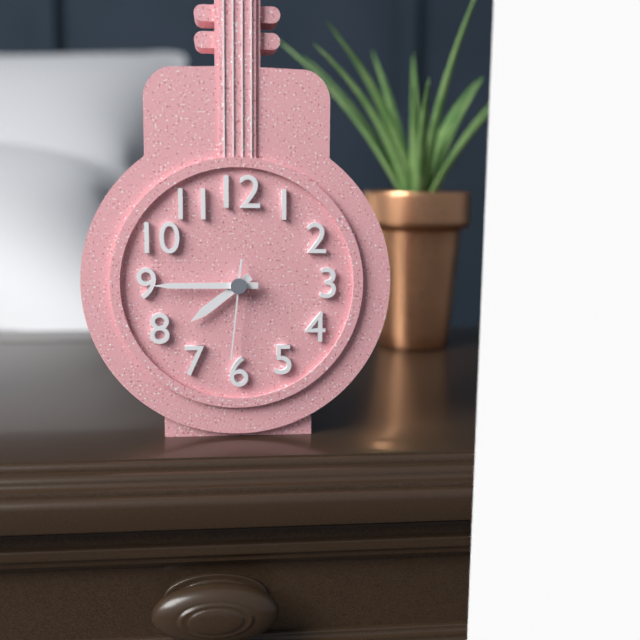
7:45:31
